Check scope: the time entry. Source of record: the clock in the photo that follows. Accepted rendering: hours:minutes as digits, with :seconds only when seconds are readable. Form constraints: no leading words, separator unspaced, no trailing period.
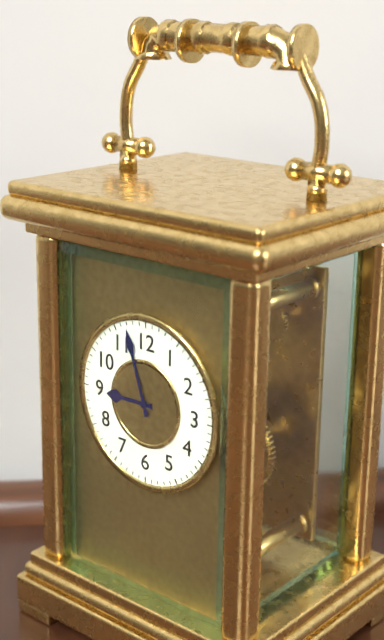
8:57
